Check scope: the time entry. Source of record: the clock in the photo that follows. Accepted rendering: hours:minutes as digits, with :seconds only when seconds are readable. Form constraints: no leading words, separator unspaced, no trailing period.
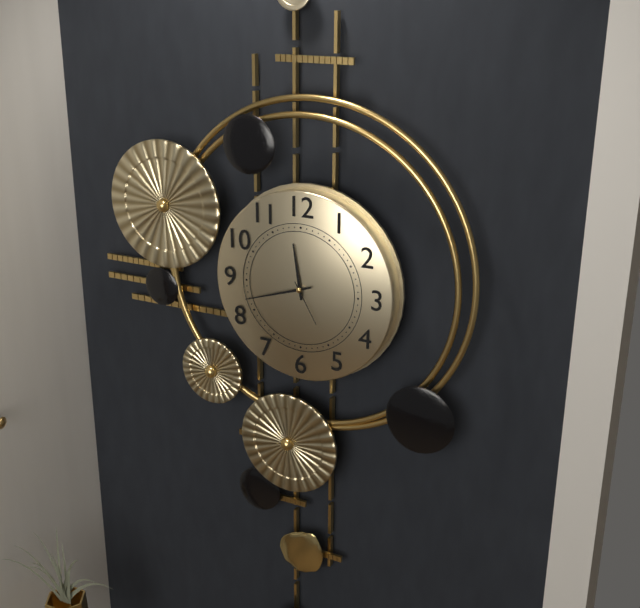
11:42
